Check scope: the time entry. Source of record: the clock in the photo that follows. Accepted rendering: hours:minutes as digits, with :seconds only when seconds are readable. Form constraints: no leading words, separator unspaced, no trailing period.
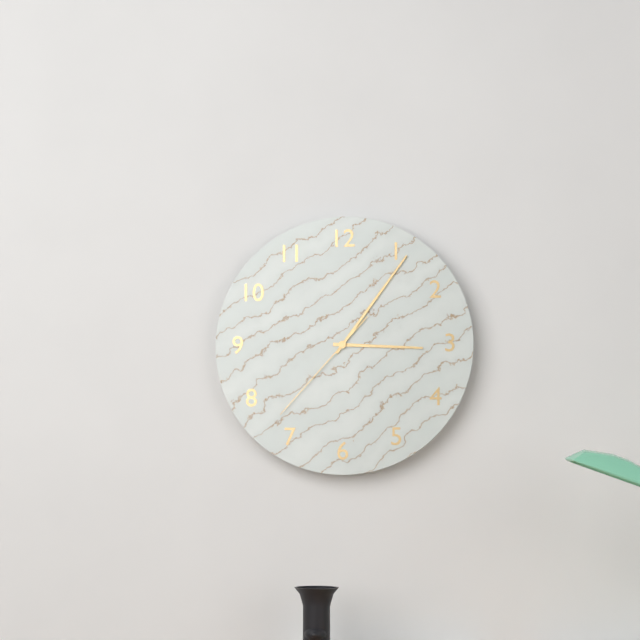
3:06:37
